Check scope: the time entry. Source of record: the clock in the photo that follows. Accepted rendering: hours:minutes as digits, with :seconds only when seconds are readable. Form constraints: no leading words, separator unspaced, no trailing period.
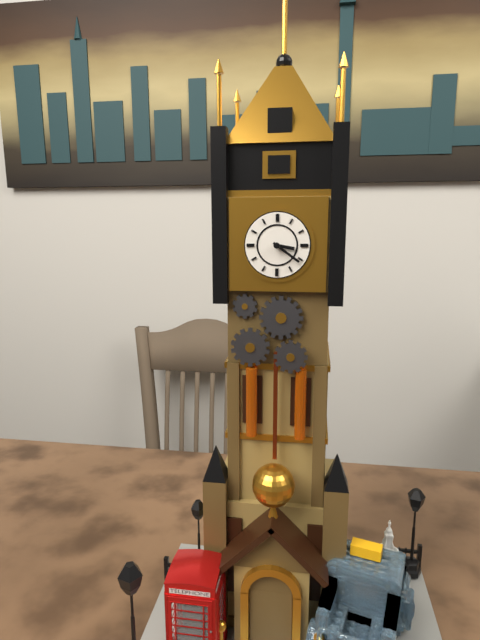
3:21
